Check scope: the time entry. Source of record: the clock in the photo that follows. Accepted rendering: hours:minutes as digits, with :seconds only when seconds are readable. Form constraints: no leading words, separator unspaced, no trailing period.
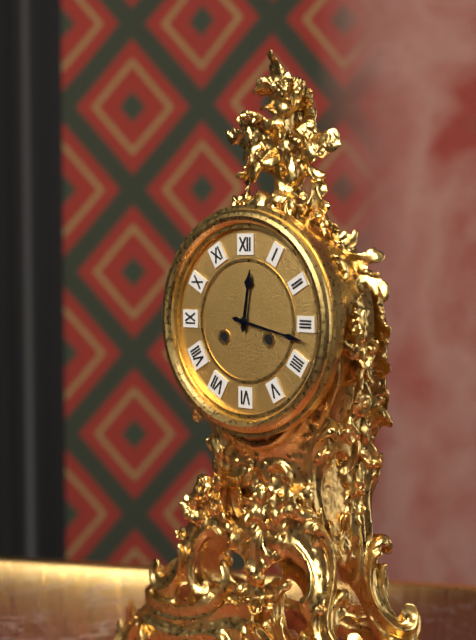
12:17
